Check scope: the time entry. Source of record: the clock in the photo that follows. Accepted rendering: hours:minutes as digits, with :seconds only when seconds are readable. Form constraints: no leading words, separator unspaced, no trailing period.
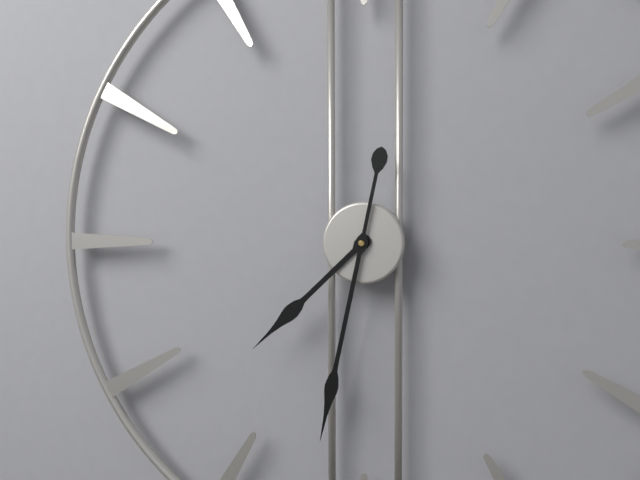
7:32
